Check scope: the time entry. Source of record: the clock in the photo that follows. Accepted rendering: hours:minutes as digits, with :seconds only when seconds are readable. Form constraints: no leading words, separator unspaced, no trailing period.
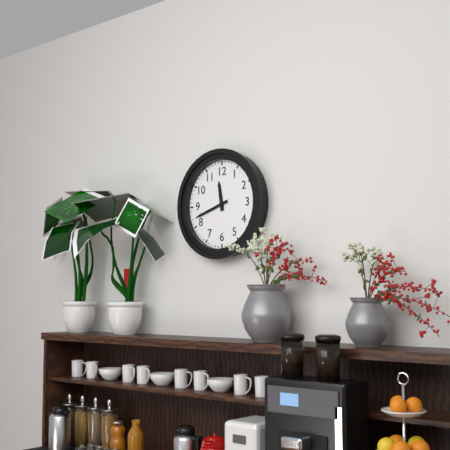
11:42
